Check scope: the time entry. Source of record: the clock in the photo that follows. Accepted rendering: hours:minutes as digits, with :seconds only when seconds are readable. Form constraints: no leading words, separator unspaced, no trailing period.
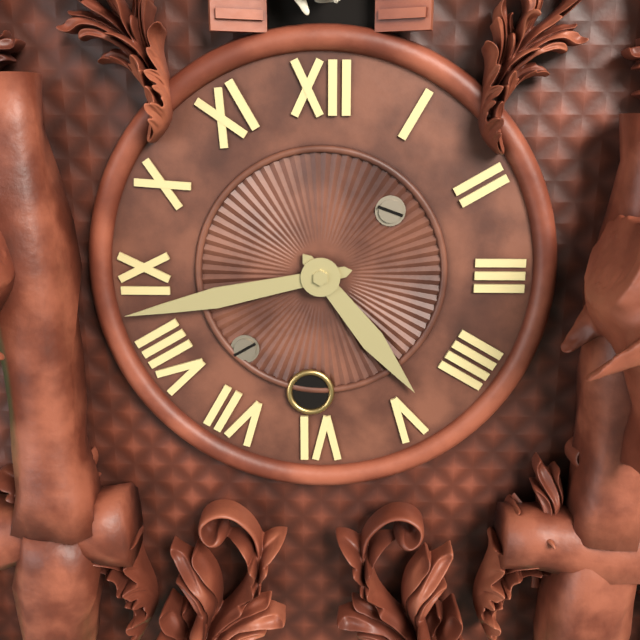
4:43
